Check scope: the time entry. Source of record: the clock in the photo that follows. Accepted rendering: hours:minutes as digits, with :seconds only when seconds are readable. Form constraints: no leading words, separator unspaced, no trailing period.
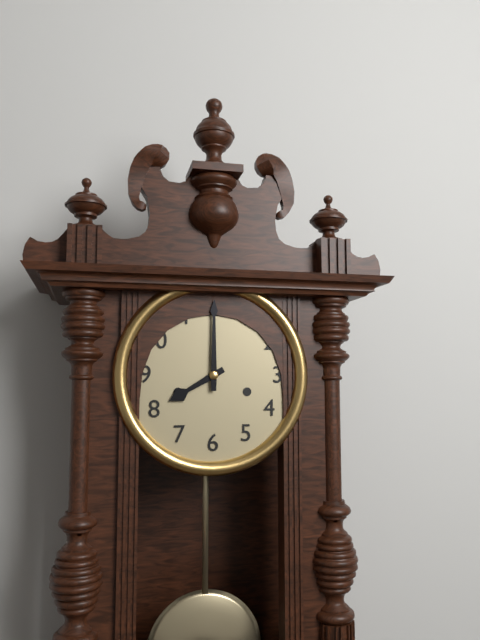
8:00
